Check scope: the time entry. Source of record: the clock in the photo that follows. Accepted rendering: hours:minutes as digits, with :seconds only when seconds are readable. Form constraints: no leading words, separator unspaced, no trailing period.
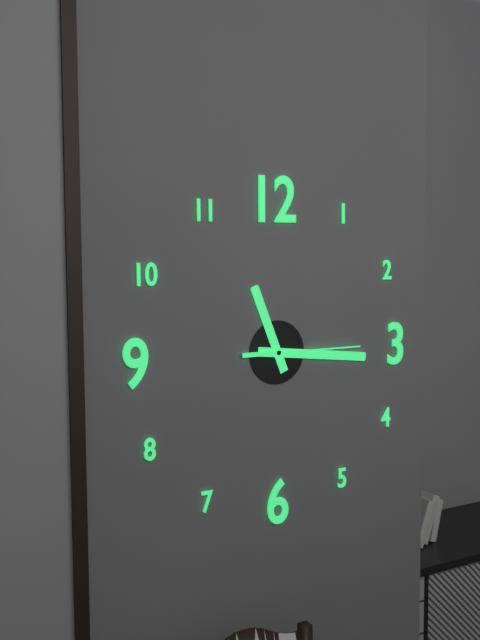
11:16:15
